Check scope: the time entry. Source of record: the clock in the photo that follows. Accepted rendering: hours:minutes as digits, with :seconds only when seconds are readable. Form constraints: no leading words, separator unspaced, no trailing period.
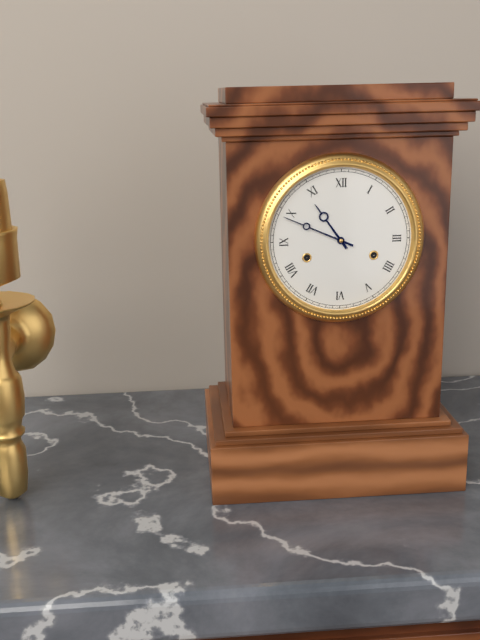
10:49
